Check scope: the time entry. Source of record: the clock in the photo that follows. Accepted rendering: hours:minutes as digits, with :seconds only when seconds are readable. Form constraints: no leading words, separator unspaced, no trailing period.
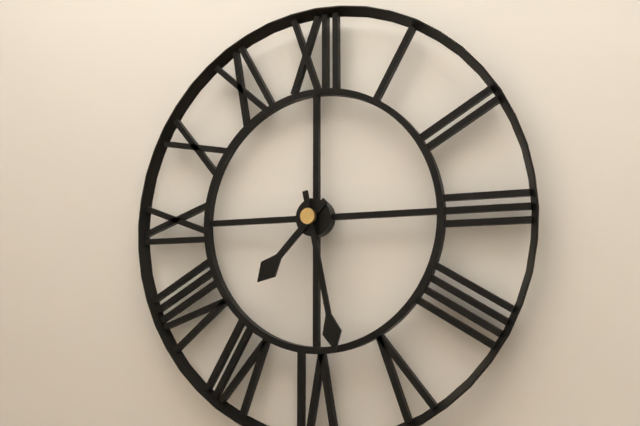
7:28
